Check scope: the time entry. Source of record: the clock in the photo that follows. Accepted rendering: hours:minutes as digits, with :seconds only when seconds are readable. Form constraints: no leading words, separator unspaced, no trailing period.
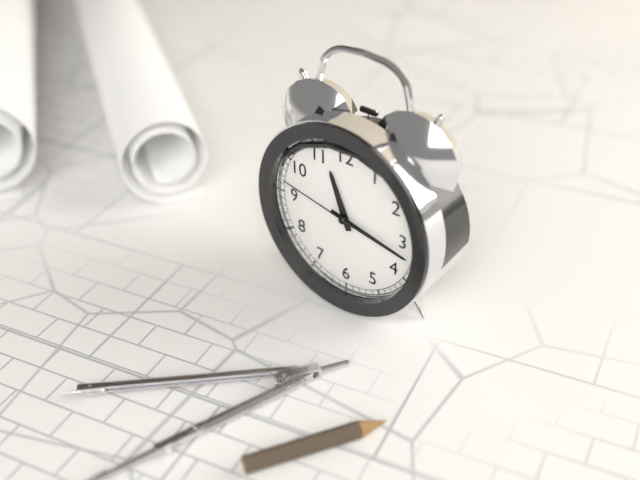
11:17:47
